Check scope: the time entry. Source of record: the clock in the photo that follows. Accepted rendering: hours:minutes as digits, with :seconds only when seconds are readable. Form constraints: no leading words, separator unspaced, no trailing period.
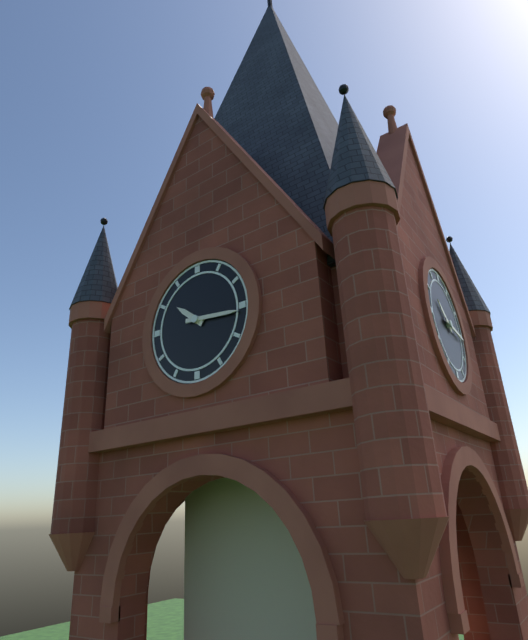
10:16
